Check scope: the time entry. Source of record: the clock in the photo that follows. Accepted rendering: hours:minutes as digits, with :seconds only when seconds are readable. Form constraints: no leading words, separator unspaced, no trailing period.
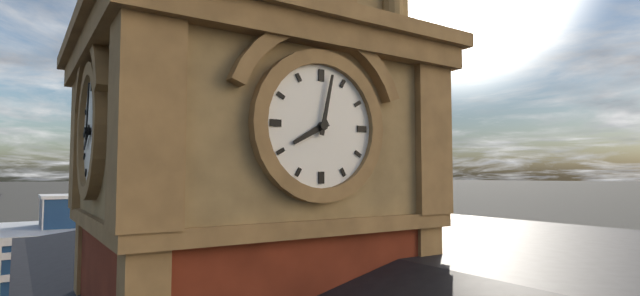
8:02
